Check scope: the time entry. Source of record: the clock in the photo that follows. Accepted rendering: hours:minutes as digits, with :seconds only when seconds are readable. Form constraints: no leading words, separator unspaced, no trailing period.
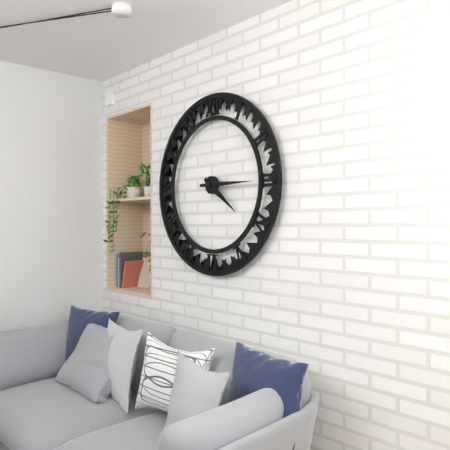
4:15
